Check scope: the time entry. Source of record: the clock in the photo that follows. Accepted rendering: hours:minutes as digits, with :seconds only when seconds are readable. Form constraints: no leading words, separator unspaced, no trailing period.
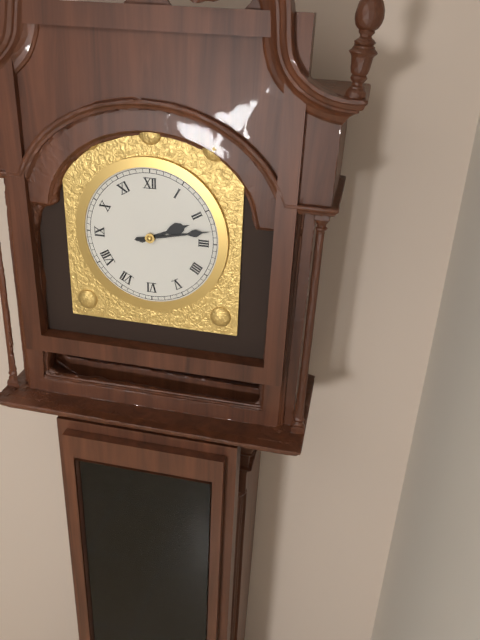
2:13
